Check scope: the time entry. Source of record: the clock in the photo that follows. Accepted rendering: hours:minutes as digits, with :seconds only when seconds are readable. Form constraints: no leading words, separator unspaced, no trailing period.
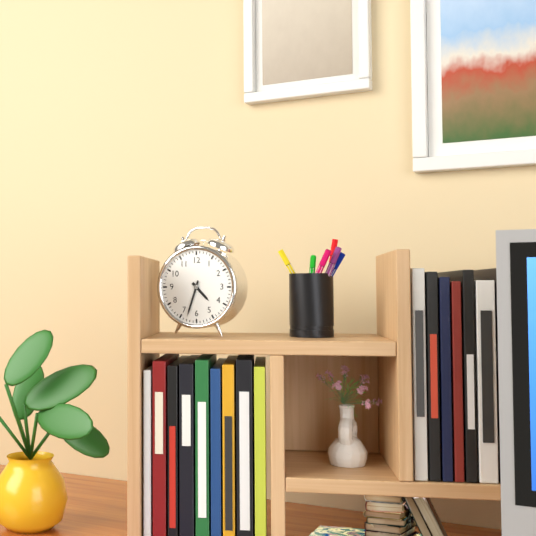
4:33
